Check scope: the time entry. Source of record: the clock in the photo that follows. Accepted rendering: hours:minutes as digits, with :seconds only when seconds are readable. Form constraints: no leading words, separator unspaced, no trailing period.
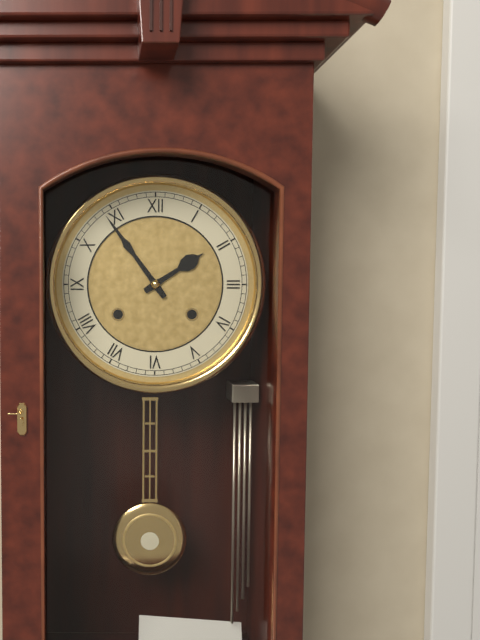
1:54
